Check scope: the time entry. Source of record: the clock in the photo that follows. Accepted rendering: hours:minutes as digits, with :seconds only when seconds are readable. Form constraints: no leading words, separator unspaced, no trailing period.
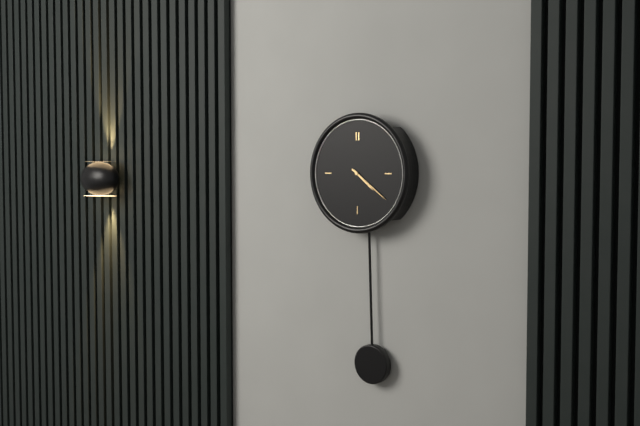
4:21
